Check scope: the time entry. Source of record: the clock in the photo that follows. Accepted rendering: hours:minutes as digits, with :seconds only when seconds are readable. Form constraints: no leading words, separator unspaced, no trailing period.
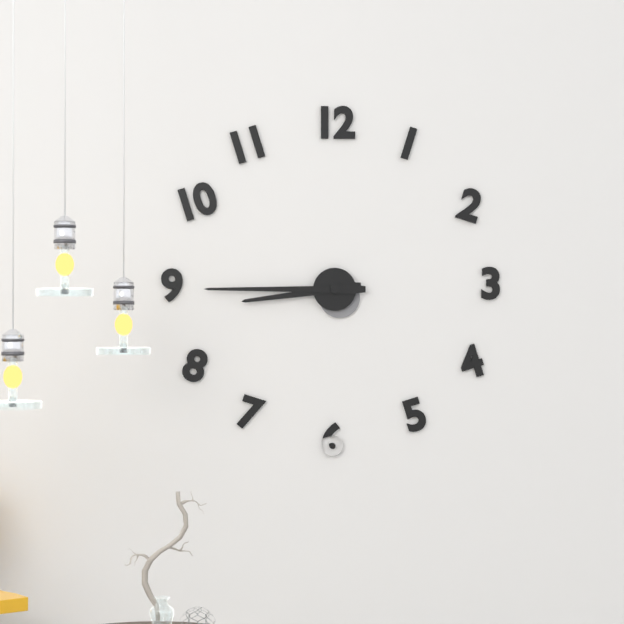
8:45
